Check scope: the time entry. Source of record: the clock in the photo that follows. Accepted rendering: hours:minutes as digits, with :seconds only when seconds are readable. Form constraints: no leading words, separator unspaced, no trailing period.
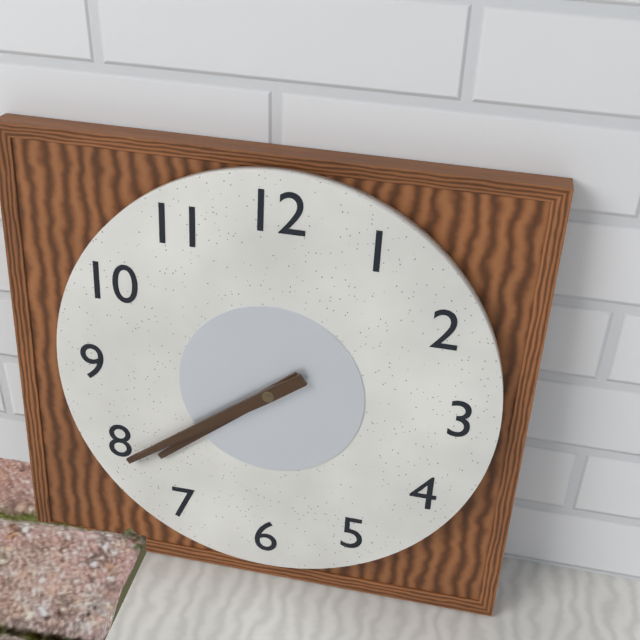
7:39
